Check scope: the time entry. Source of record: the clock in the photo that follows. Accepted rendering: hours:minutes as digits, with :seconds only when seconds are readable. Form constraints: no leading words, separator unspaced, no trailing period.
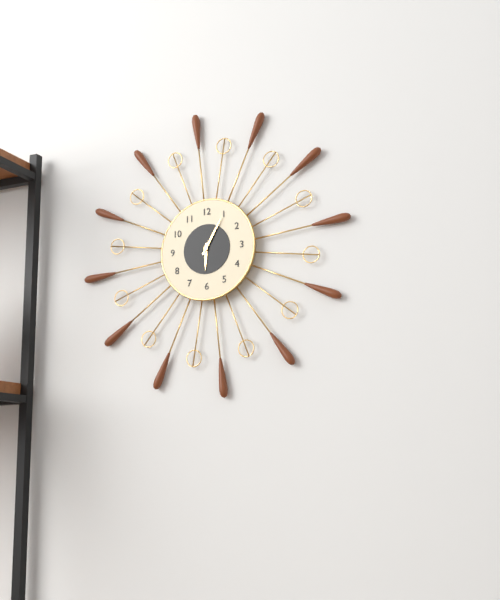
6:05
